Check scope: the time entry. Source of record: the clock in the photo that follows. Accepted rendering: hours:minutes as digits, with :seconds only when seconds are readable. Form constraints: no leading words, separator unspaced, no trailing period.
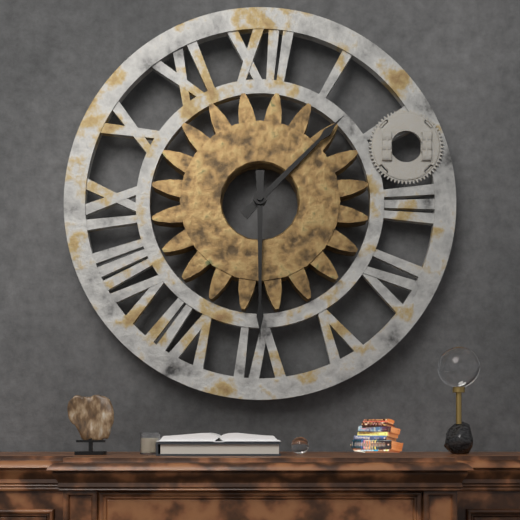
1:30
